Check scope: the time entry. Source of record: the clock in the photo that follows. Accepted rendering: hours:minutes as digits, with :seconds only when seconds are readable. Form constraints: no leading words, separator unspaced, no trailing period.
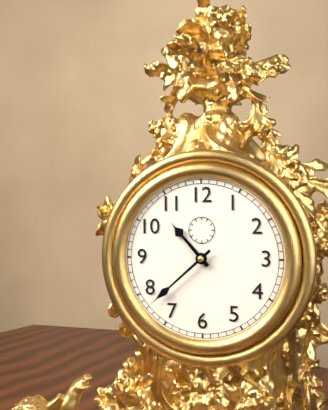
10:38
